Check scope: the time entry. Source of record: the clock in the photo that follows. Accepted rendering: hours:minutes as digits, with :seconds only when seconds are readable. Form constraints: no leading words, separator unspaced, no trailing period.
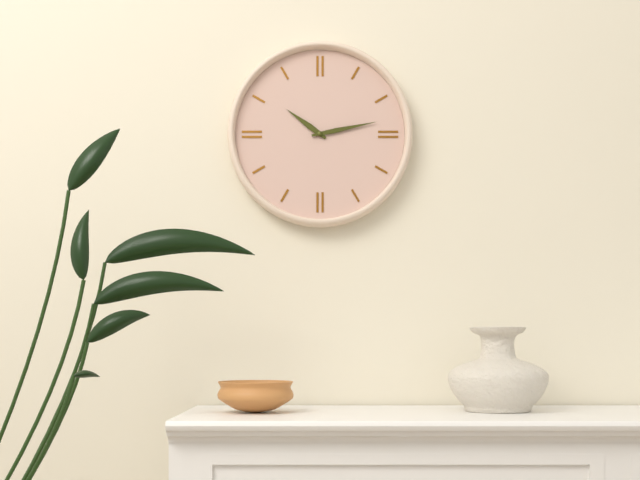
10:13
